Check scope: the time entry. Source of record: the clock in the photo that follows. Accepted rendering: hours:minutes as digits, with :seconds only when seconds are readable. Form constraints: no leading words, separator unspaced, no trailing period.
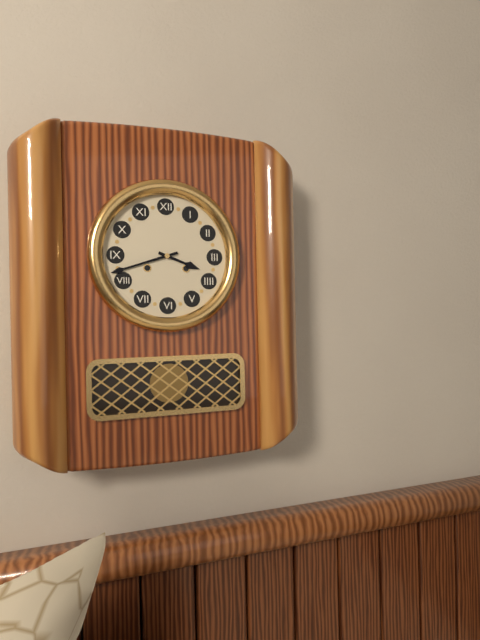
3:42
